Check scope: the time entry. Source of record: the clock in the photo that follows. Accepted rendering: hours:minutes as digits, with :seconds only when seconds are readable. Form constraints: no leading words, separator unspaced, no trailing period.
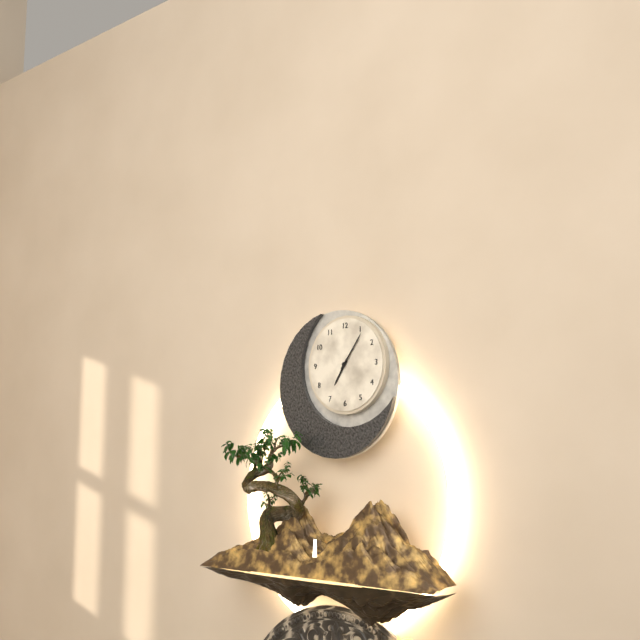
7:06
